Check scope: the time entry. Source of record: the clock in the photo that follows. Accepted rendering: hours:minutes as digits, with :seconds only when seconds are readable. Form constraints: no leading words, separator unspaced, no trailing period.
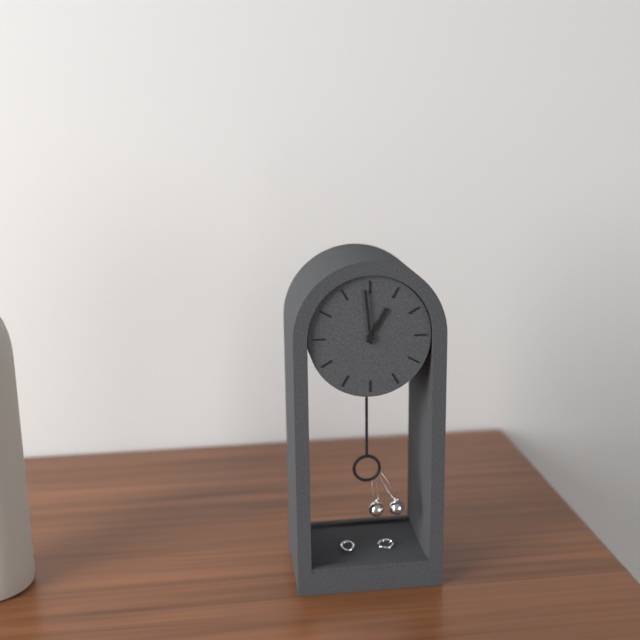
12:59
